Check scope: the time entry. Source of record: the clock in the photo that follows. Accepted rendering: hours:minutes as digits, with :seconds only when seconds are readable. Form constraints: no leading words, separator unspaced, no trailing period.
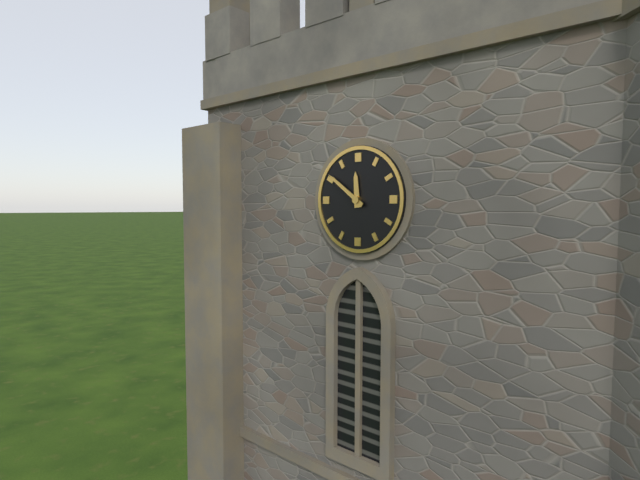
11:51
